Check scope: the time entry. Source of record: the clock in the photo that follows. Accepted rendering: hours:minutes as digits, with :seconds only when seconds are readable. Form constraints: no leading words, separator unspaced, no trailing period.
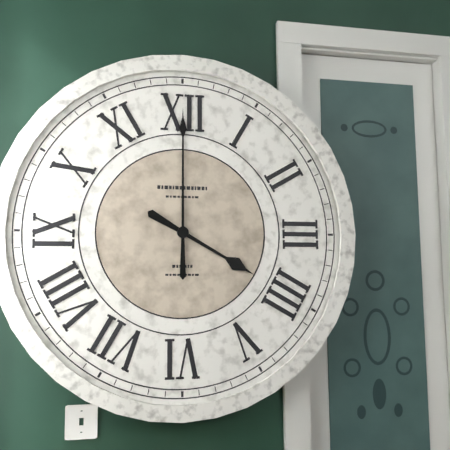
4:00
